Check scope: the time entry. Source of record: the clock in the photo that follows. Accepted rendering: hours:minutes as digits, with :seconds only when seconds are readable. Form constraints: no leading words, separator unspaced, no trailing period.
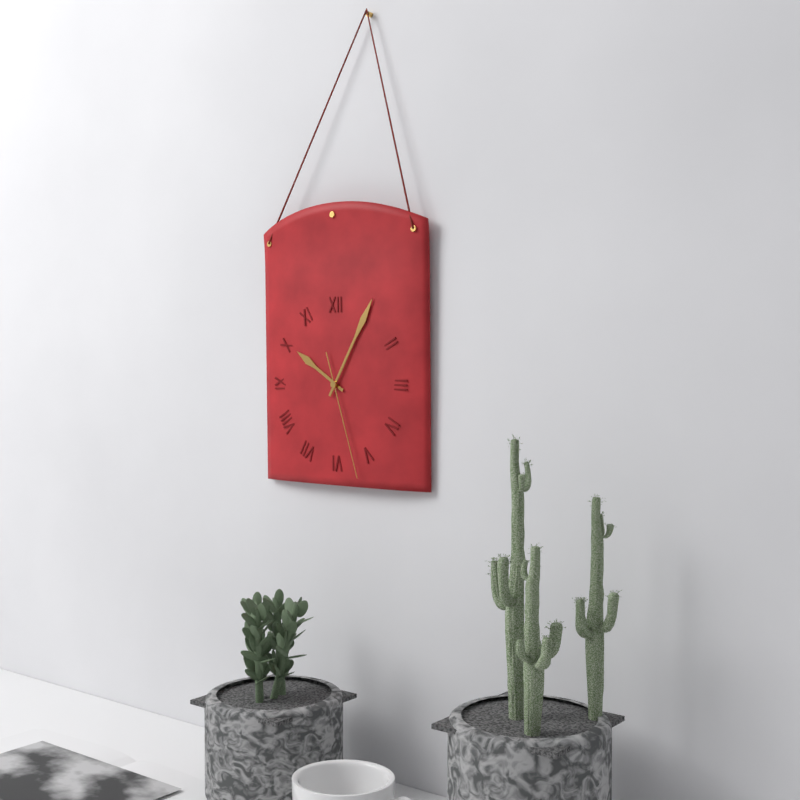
10:05:27
